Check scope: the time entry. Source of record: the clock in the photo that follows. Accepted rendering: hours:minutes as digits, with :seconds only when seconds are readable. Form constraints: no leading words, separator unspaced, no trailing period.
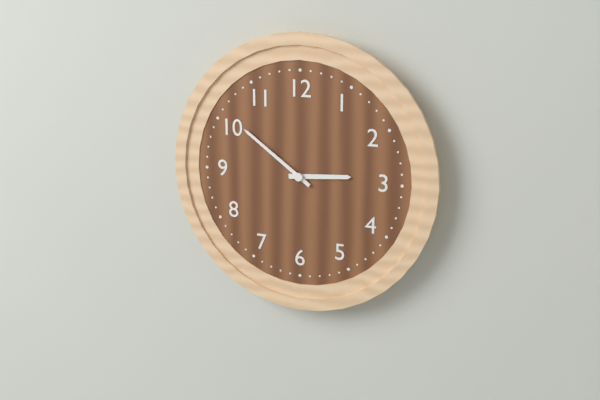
2:51
